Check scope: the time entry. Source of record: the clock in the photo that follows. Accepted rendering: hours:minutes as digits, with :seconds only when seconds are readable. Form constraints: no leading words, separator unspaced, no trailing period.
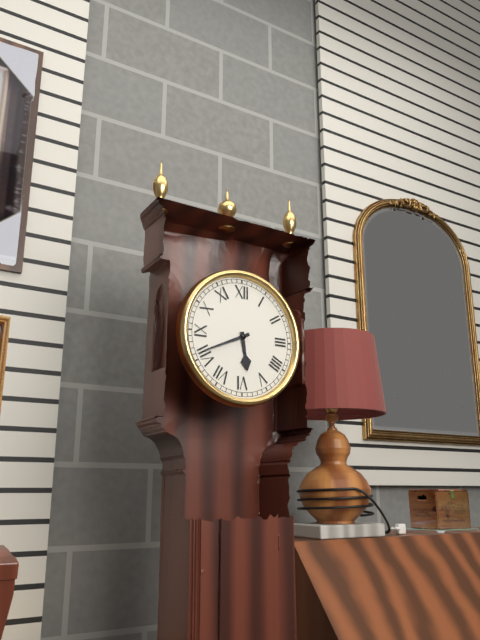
5:41
